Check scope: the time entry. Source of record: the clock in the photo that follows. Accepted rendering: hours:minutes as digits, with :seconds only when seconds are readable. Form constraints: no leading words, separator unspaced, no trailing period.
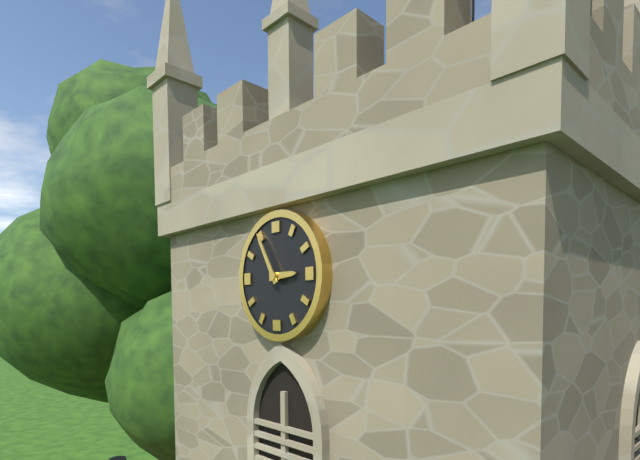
2:55
